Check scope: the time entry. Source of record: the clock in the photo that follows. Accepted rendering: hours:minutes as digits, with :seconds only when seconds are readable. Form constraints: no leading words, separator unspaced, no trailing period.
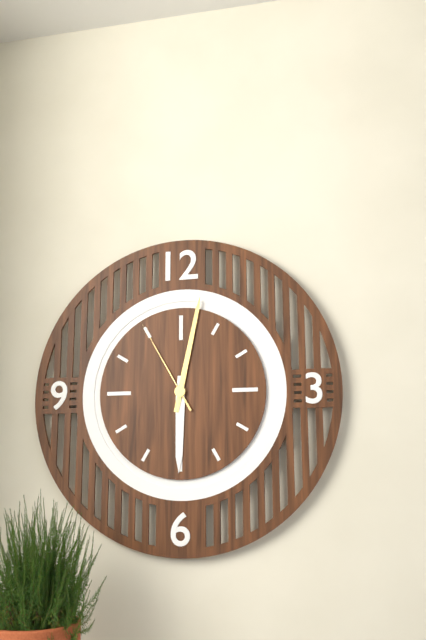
6:02:55
